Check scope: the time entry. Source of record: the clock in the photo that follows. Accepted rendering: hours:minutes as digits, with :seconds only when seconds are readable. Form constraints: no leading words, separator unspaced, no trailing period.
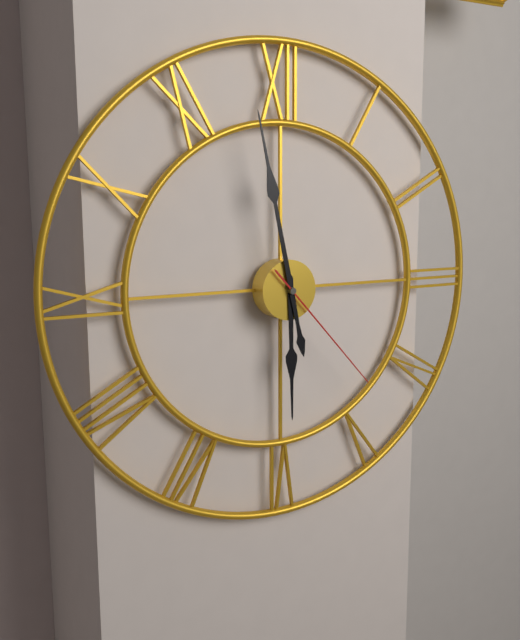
5:58:23
